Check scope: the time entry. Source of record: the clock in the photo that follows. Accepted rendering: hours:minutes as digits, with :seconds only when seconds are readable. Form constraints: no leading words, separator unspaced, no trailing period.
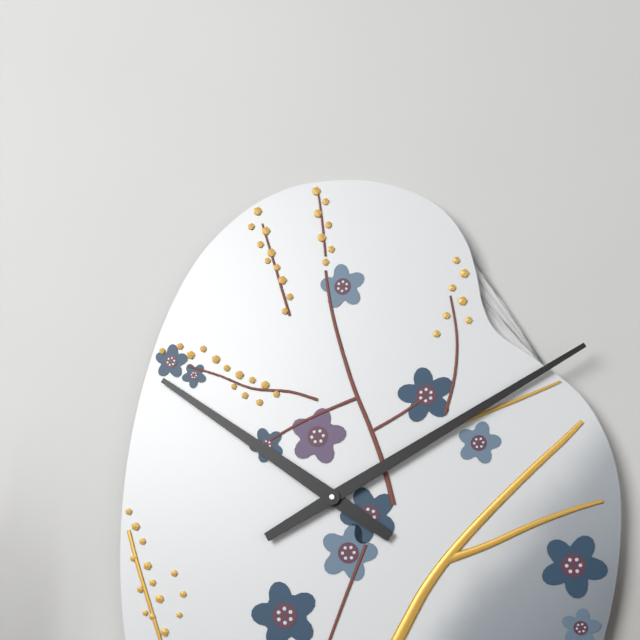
10:10
